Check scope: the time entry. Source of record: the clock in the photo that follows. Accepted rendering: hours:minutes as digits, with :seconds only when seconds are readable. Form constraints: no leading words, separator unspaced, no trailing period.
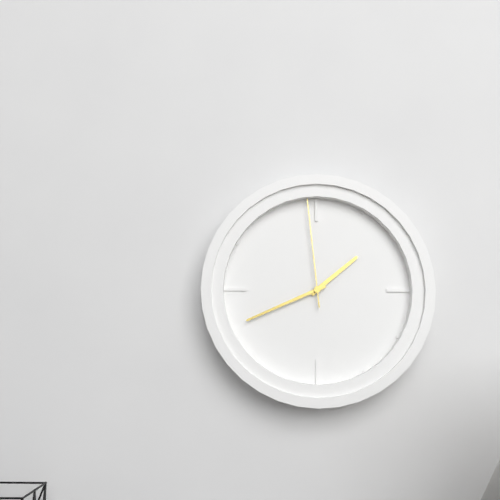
1:41:59
